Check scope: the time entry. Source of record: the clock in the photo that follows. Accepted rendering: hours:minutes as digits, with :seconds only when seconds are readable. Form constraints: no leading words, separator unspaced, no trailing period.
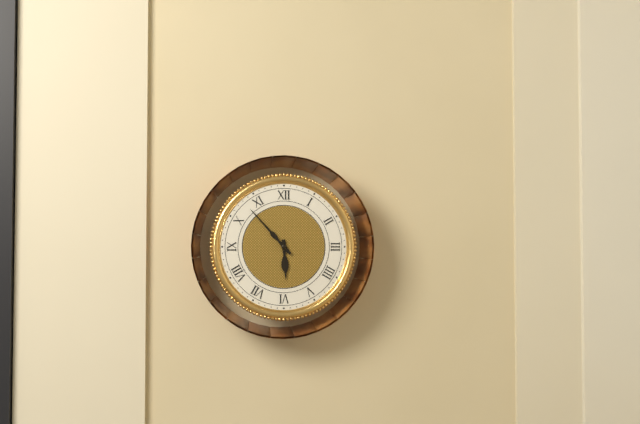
5:53
